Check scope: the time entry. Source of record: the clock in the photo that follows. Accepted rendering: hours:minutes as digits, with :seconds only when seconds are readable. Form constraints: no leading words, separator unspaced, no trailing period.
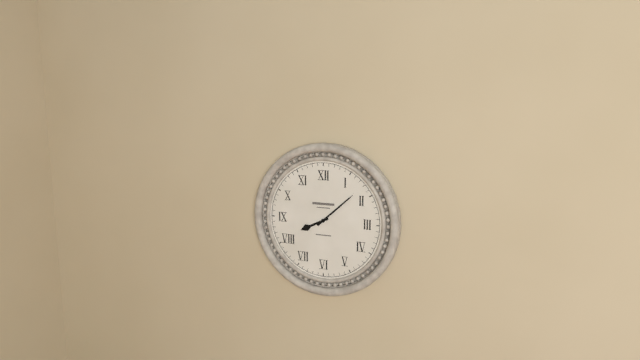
8:08
